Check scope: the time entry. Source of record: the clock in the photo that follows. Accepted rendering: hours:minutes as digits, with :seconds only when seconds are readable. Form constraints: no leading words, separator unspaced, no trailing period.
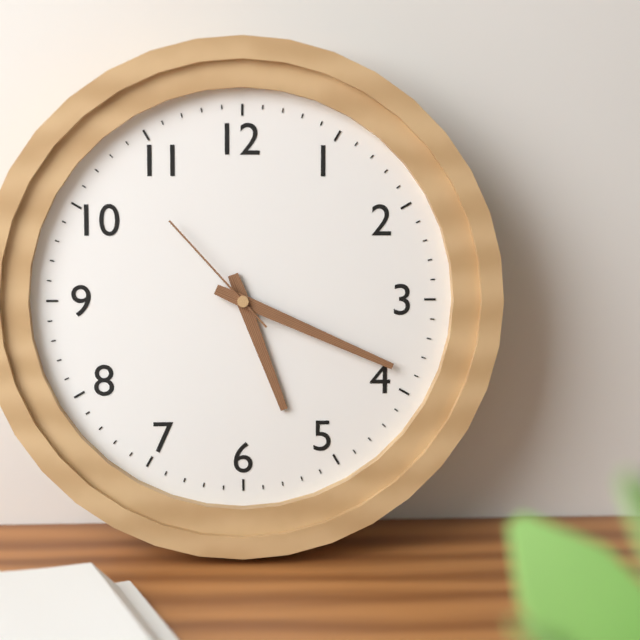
5:19:53
